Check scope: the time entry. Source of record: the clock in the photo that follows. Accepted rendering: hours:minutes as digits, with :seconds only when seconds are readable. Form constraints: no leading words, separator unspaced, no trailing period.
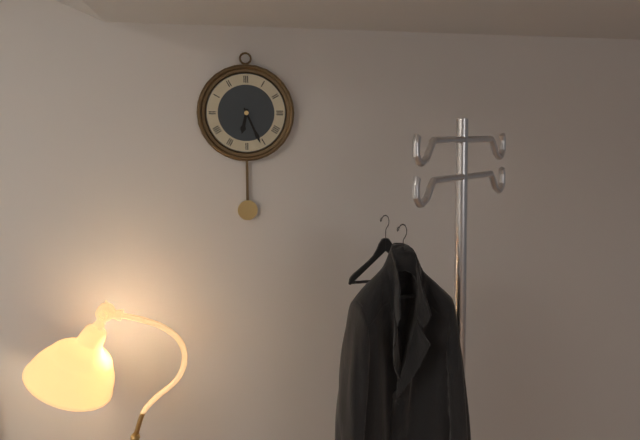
6:26
